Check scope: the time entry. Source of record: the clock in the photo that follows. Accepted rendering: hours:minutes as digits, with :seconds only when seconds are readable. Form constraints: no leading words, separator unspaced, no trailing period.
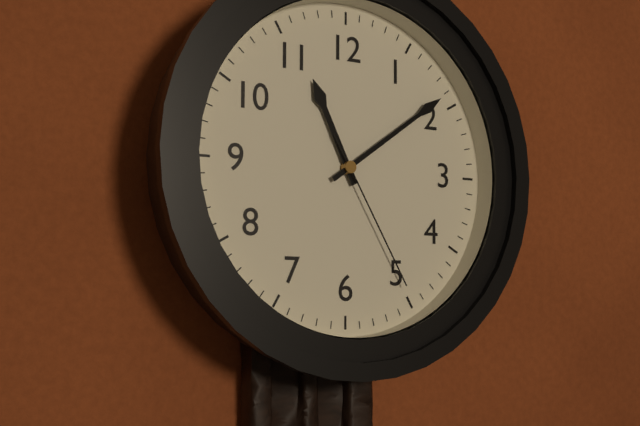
11:09:25
